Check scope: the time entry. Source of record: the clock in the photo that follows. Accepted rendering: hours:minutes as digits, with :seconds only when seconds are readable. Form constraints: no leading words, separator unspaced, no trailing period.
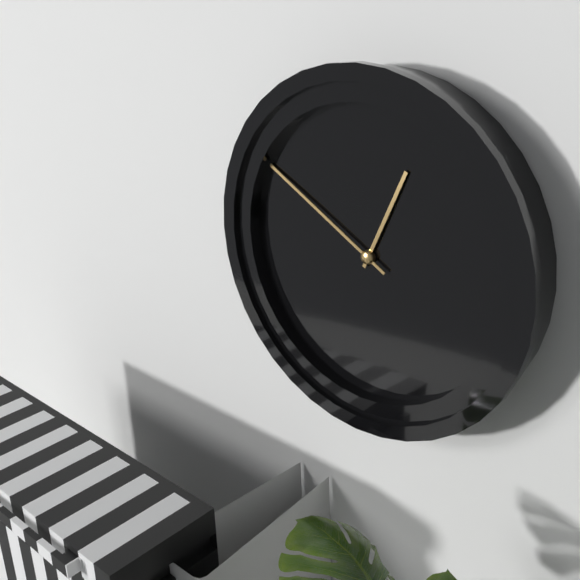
12:50
